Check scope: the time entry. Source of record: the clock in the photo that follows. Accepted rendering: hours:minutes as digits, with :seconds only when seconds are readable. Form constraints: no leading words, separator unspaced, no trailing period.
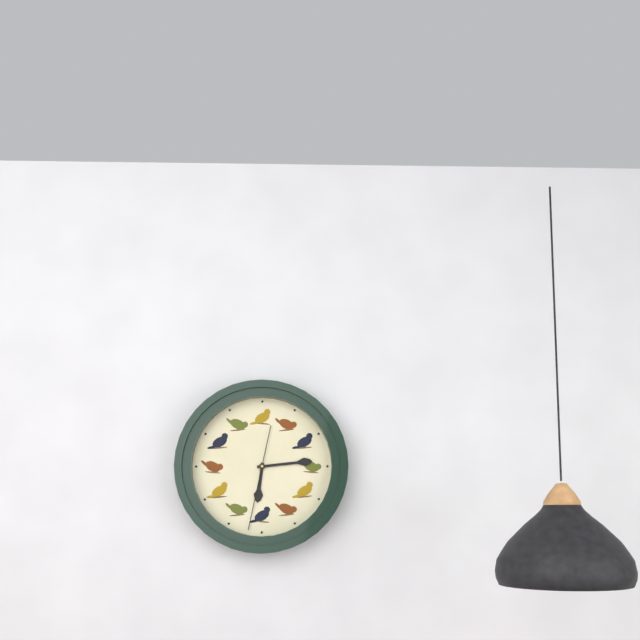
6:14:32
